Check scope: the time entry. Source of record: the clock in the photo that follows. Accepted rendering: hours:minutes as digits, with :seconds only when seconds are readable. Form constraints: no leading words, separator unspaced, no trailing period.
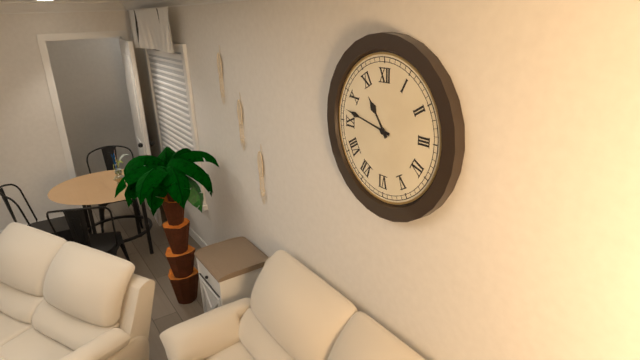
10:47
